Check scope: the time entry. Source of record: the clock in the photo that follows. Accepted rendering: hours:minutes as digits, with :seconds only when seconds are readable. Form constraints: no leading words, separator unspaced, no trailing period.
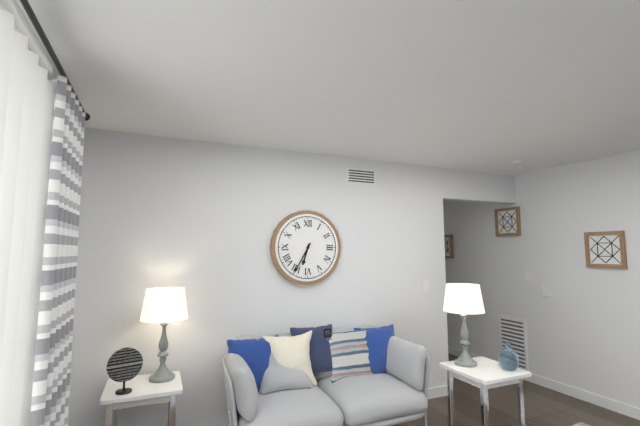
6:35
